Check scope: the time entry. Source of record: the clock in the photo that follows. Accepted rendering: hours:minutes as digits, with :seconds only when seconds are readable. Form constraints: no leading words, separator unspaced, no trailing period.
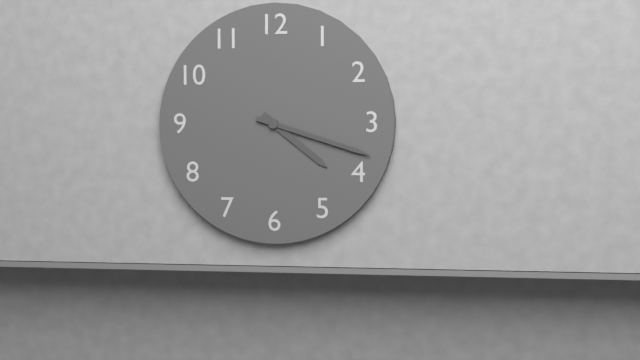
4:18
